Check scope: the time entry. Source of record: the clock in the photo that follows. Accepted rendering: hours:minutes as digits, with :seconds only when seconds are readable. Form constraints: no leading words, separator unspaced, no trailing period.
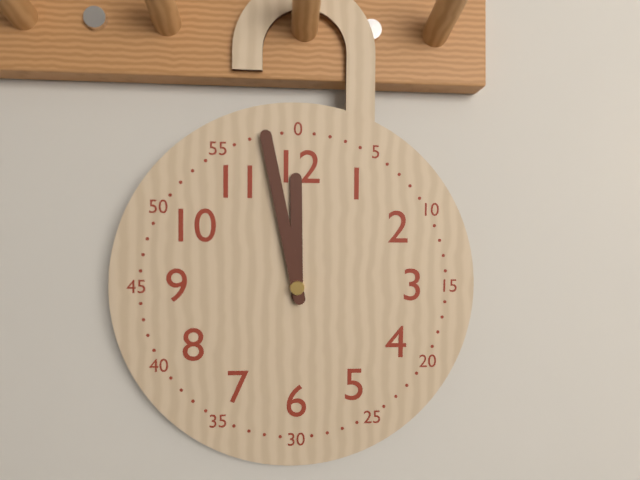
11:58
